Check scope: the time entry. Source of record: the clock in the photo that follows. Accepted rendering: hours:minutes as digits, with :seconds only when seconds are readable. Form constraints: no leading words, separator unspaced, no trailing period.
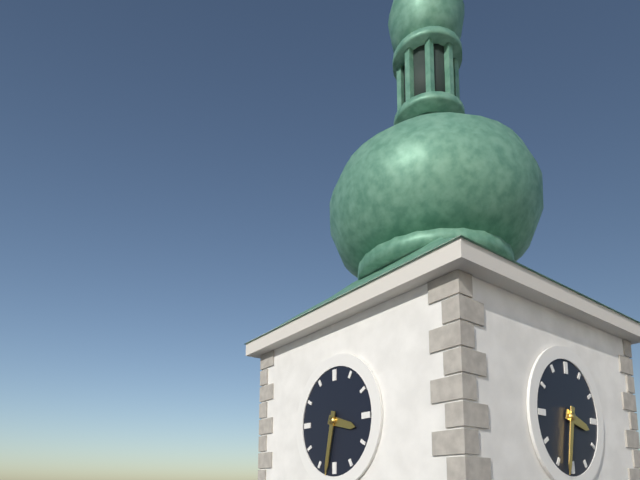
3:32
